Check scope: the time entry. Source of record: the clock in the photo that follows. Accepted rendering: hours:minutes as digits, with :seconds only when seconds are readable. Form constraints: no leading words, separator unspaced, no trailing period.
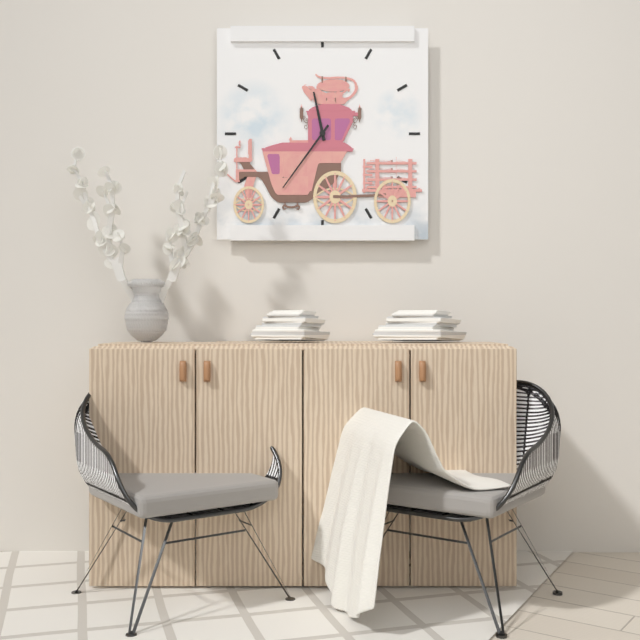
11:36
